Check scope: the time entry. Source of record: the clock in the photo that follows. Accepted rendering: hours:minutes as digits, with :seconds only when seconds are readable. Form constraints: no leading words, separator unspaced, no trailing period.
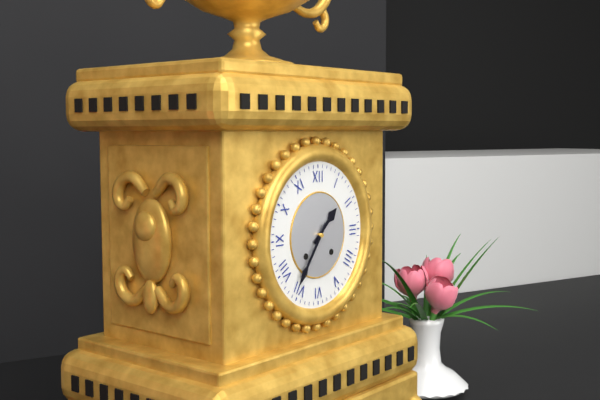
1:36
